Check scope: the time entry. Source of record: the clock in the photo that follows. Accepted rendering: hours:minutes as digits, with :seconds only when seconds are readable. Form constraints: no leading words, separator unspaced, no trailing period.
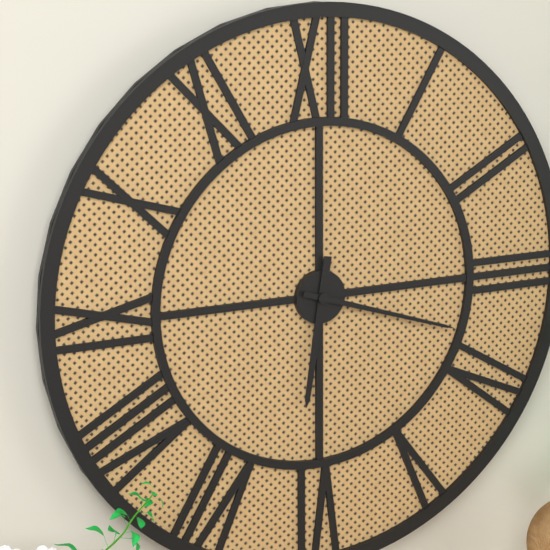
6:18
